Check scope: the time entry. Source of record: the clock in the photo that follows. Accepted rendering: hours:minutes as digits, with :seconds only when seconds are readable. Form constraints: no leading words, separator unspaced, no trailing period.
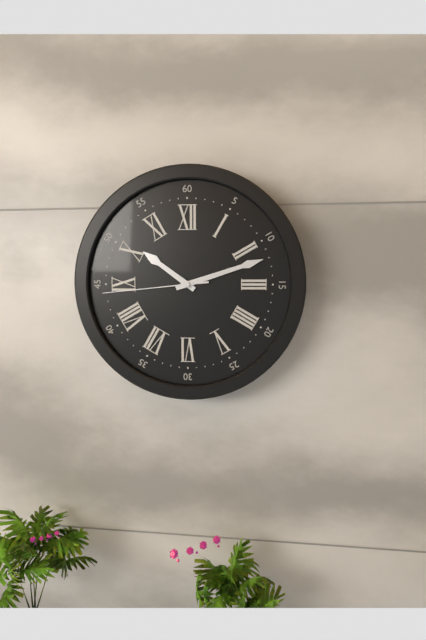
10:12:44
